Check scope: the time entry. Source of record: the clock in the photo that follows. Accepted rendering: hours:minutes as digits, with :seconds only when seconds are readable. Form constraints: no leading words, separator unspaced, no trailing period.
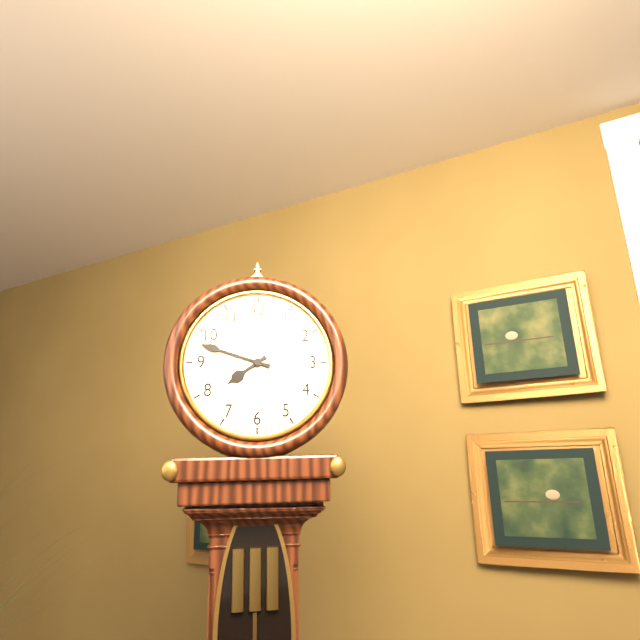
7:48
